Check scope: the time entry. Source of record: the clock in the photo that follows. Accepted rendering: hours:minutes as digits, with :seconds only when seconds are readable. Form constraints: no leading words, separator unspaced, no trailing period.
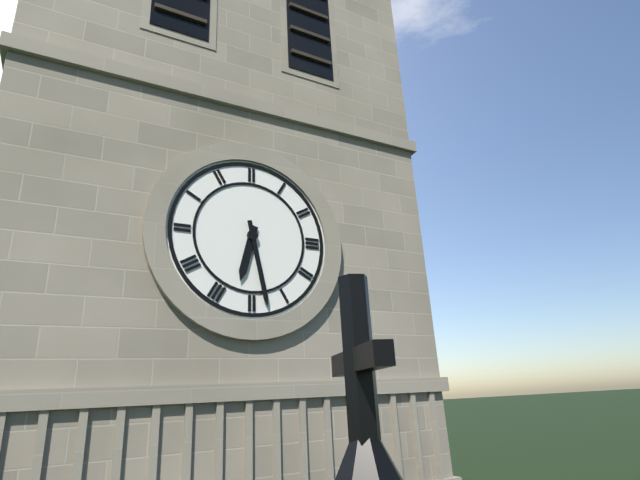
6:28
